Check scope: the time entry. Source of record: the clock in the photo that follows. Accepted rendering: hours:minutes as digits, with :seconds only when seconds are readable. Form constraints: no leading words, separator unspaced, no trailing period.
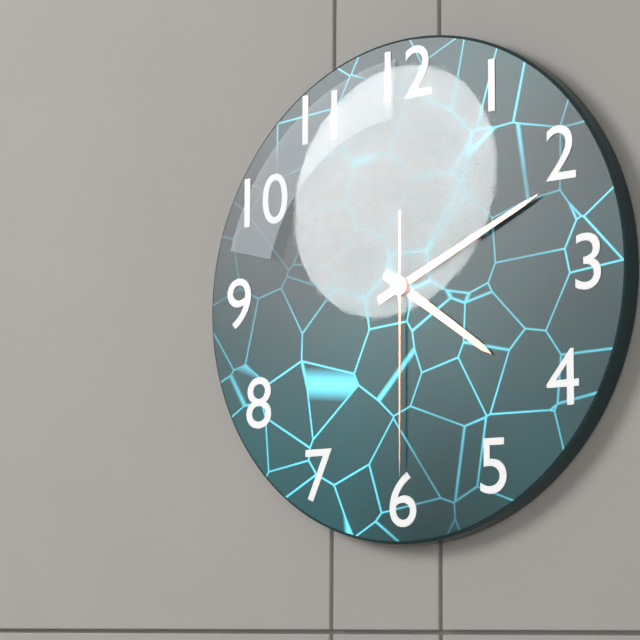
4:11:30
